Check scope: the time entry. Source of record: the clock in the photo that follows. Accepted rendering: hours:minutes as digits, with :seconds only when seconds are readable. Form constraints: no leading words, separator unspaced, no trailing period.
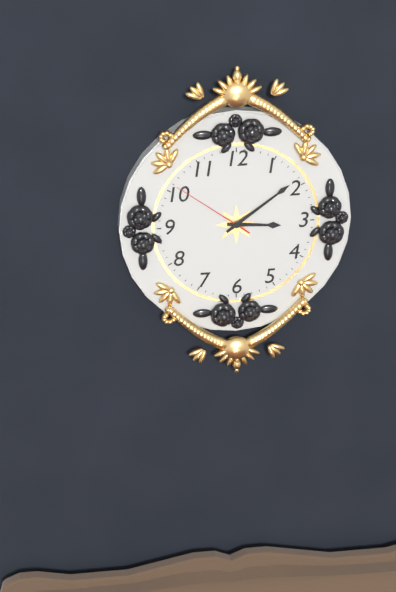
3:09:51
